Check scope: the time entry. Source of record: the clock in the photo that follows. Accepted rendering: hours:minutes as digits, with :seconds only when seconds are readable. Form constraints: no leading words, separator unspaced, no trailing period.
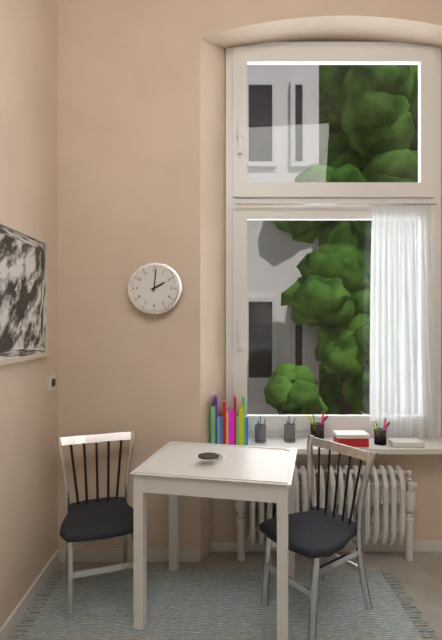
2:01
